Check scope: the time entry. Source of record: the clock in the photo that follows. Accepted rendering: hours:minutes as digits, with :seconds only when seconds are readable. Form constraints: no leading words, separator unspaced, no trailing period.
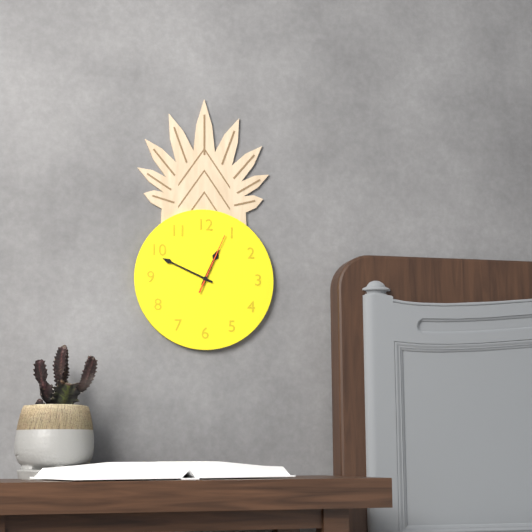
12:49:04
